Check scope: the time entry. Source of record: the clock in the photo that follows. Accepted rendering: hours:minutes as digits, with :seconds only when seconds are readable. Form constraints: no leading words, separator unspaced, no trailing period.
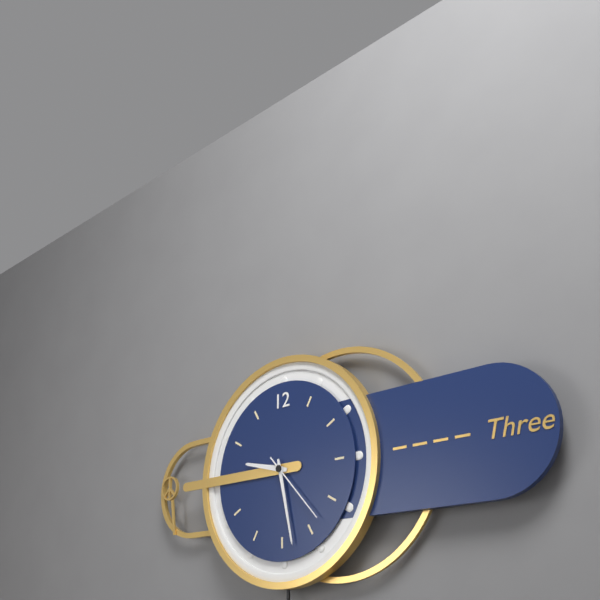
9:28:23
